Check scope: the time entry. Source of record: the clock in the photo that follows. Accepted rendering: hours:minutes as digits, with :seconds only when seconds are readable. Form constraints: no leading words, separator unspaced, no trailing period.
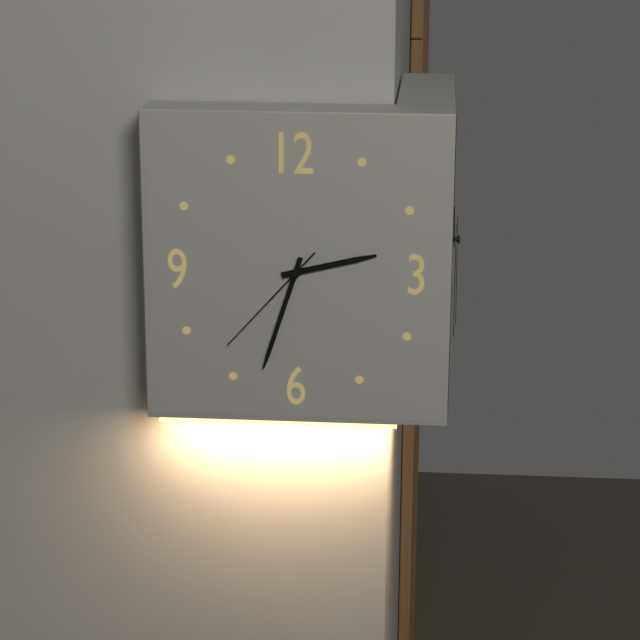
2:33:37
